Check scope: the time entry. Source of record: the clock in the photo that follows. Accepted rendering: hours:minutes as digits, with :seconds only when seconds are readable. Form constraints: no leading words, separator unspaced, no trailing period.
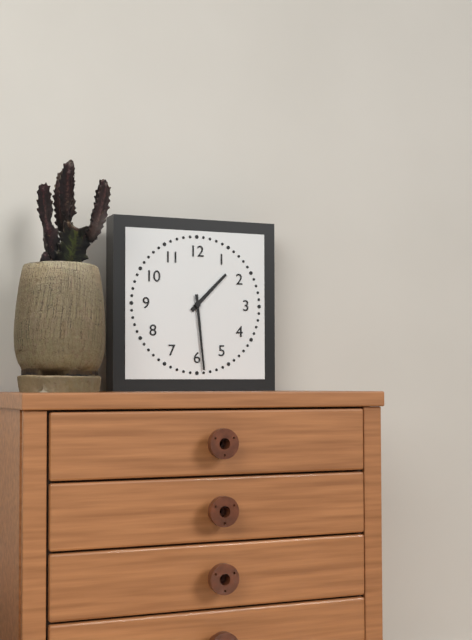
1:29
